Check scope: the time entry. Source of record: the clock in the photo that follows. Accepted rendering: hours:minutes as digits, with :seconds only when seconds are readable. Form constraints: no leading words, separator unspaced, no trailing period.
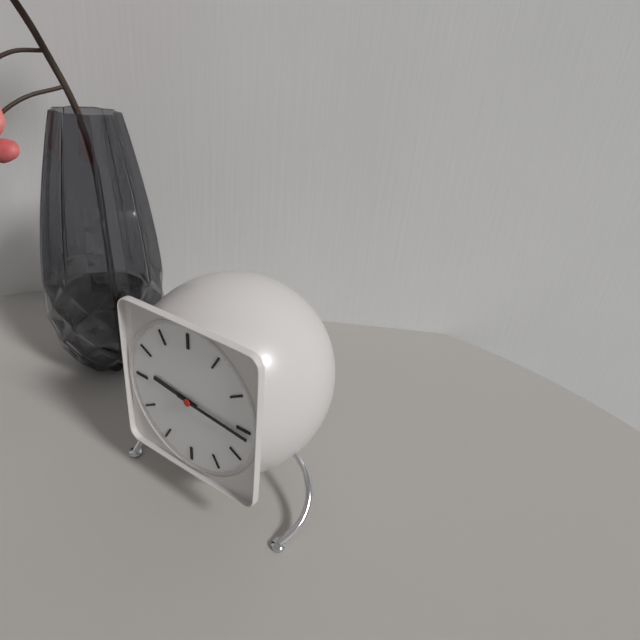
9:16
